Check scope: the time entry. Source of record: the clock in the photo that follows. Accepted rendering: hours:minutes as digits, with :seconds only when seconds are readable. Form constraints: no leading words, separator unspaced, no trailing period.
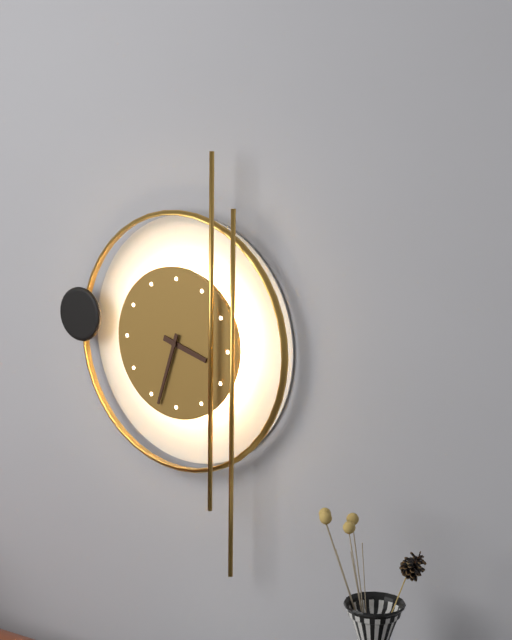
3:33
